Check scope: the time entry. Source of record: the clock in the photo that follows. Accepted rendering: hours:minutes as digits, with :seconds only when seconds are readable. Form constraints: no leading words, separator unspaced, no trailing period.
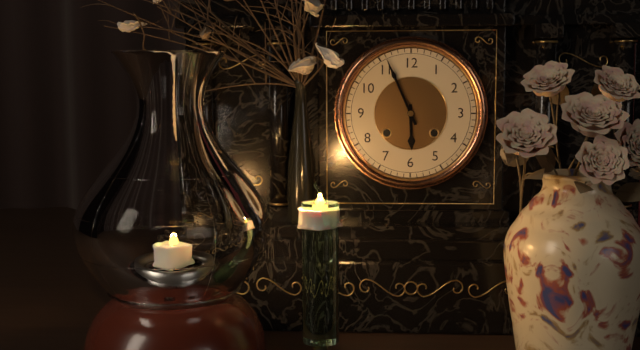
5:56
